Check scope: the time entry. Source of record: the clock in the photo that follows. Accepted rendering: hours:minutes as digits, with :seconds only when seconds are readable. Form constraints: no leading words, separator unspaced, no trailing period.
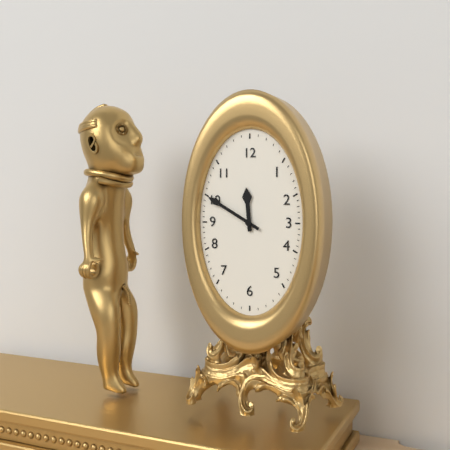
11:50
